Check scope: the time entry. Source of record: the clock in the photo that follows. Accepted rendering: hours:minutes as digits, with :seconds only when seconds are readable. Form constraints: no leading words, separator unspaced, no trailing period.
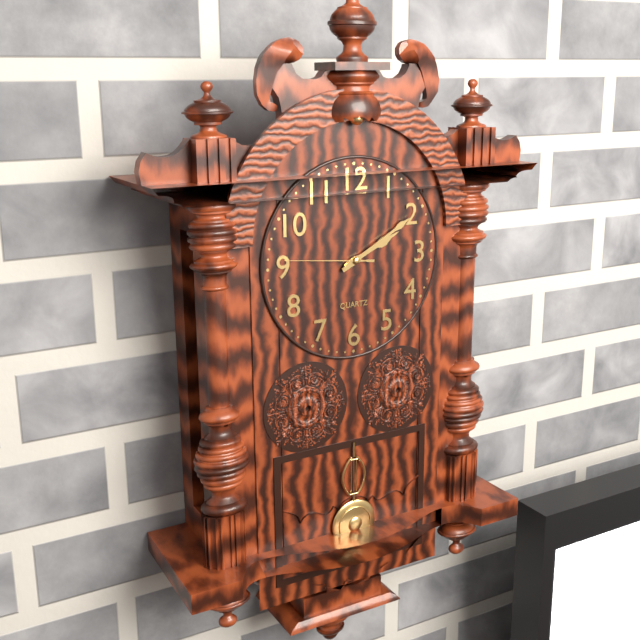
2:10:46
